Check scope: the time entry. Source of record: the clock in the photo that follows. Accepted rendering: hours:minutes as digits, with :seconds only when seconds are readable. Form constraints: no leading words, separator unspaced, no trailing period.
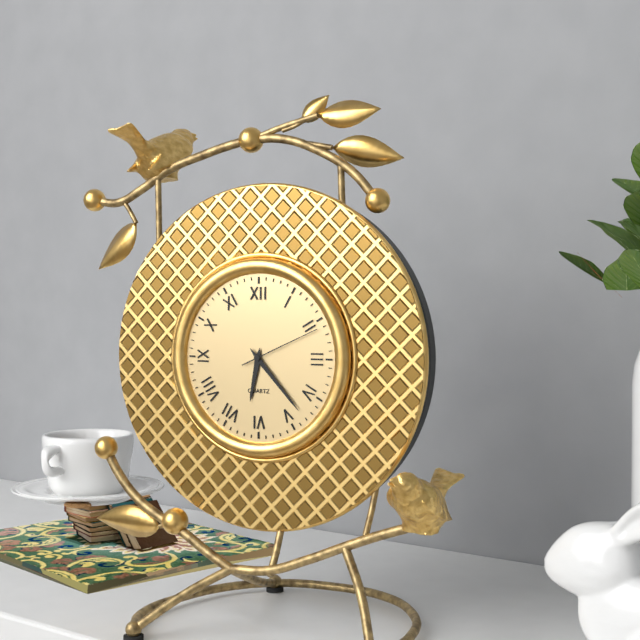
6:23:11
